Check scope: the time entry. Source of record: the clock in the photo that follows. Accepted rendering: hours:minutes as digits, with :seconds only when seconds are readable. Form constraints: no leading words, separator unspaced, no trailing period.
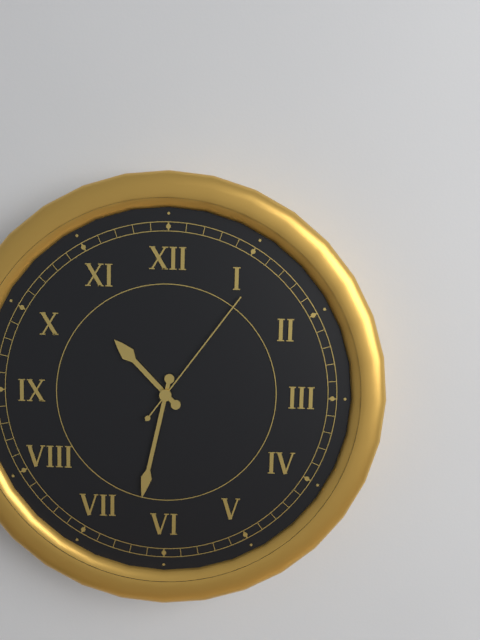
10:32:06
